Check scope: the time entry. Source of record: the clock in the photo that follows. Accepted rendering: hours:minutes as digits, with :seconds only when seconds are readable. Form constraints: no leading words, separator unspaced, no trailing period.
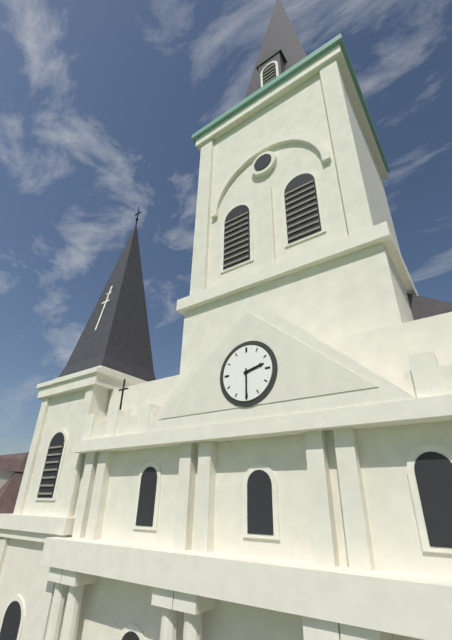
2:30
